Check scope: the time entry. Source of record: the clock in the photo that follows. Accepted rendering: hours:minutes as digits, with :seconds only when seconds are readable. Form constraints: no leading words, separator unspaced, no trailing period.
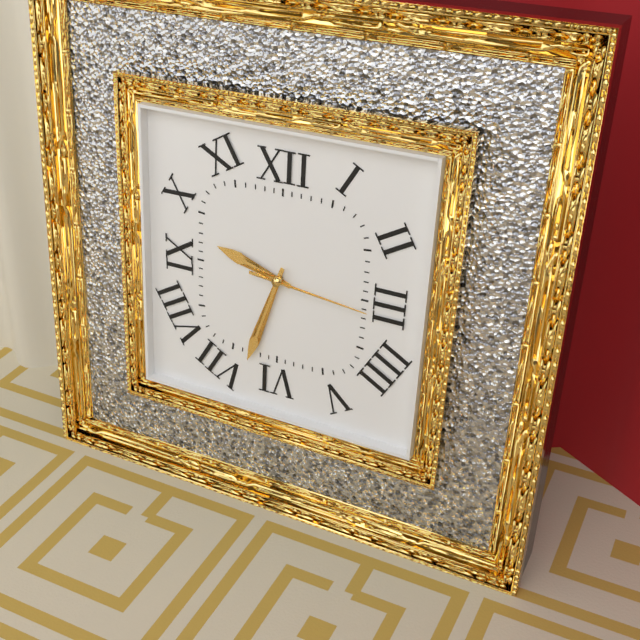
9:33:16
